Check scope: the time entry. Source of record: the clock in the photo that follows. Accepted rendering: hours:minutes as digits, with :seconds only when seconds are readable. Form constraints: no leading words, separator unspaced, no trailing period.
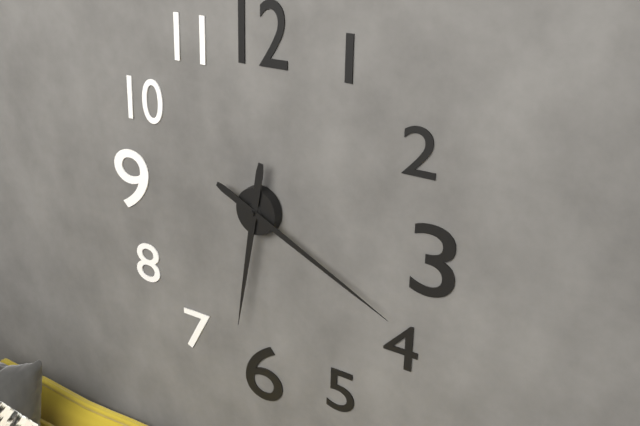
6:19
